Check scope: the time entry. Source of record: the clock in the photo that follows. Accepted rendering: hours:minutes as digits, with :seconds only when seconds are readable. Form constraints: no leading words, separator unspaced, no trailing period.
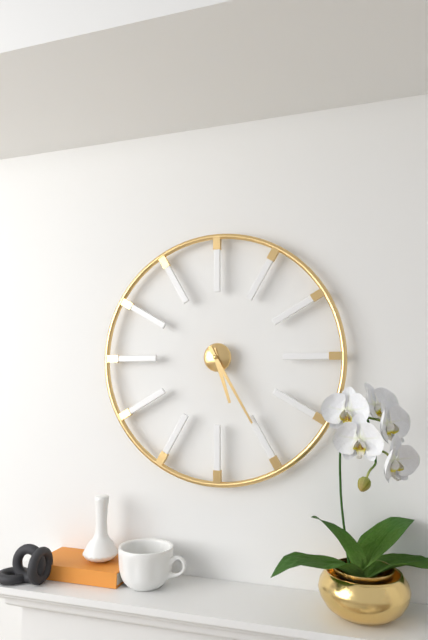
5:25
